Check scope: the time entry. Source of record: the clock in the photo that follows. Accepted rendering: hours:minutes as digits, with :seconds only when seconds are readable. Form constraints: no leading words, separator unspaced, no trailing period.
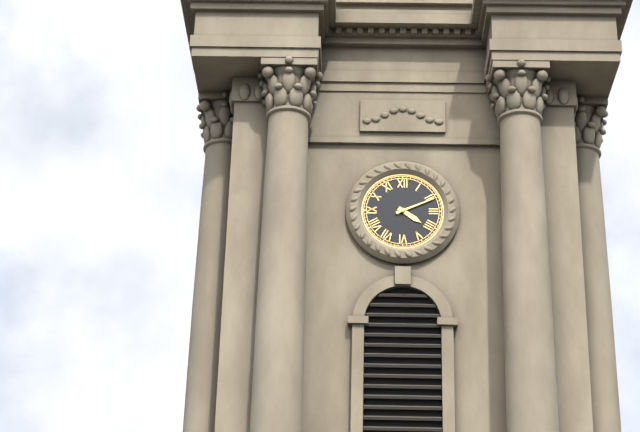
4:11
